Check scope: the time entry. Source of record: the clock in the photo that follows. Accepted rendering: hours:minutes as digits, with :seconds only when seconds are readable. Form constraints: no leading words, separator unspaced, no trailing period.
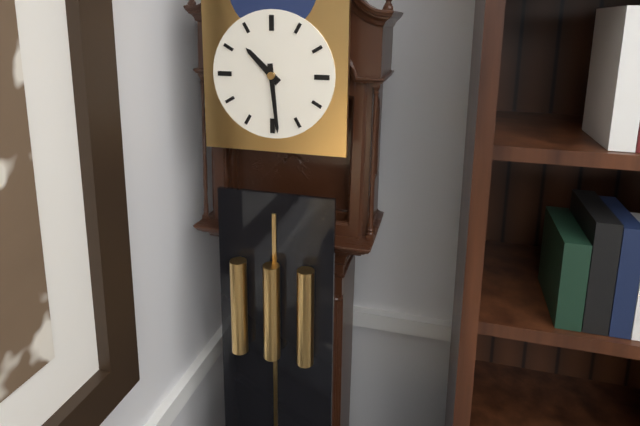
10:29
